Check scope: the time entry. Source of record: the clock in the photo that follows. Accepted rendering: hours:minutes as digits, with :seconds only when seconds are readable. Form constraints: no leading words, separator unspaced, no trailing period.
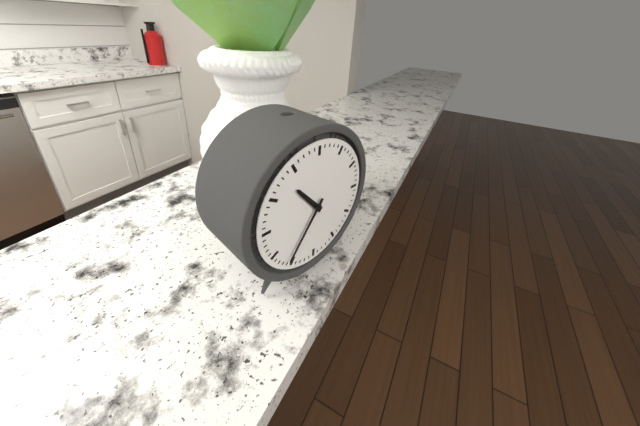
10:36
